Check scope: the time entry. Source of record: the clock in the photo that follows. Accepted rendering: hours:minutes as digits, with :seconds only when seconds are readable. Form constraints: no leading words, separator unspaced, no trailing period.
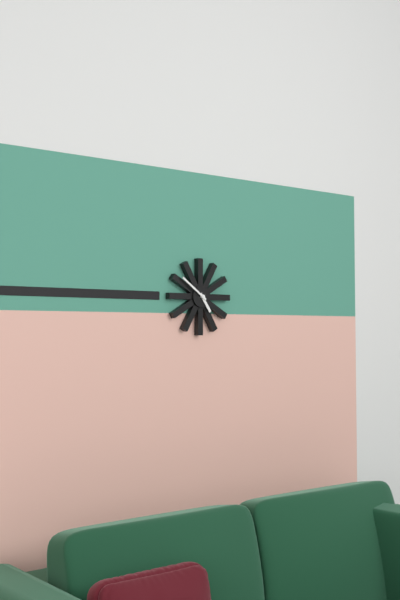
4:51
